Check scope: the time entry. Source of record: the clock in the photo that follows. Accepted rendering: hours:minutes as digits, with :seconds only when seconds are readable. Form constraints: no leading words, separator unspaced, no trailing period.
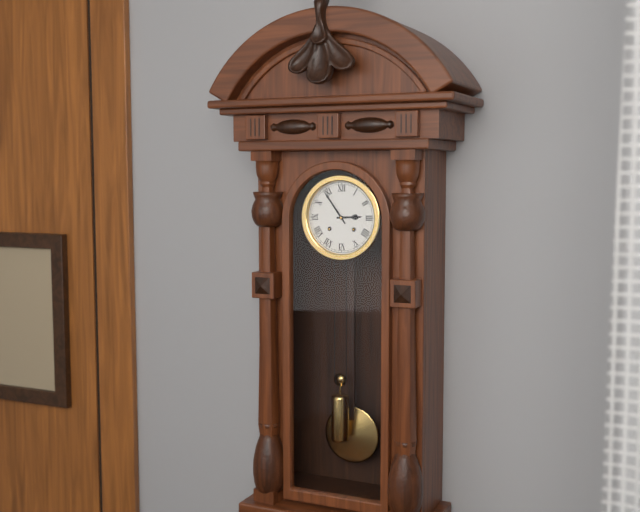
2:54
